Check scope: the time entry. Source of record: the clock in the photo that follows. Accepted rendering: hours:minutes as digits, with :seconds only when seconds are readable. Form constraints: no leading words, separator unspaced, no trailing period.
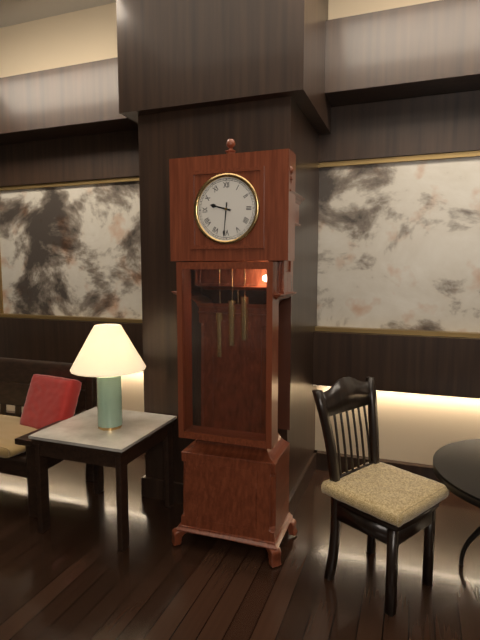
9:31
